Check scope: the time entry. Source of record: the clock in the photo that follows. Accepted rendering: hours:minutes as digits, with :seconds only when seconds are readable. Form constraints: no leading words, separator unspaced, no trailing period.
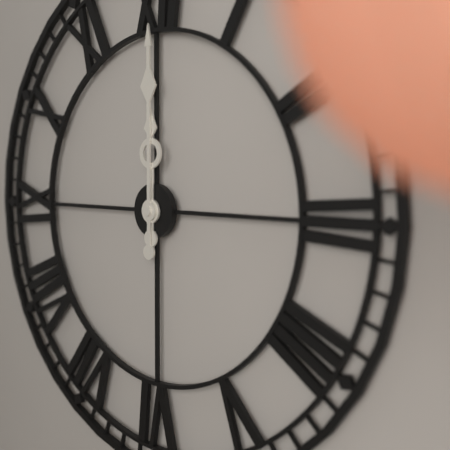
12:00
